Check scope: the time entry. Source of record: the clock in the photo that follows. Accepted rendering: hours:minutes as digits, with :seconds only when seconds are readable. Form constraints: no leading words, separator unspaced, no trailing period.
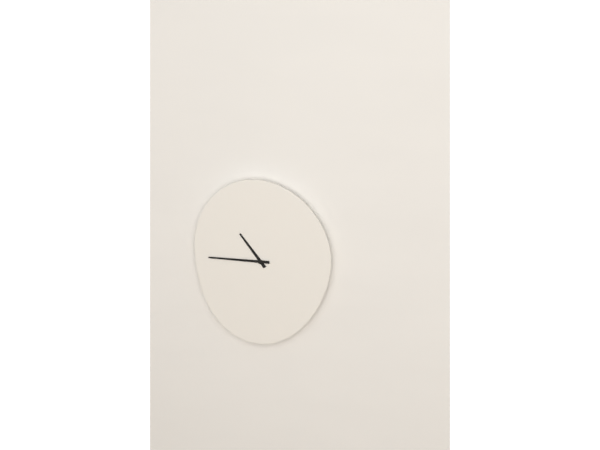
10:45
